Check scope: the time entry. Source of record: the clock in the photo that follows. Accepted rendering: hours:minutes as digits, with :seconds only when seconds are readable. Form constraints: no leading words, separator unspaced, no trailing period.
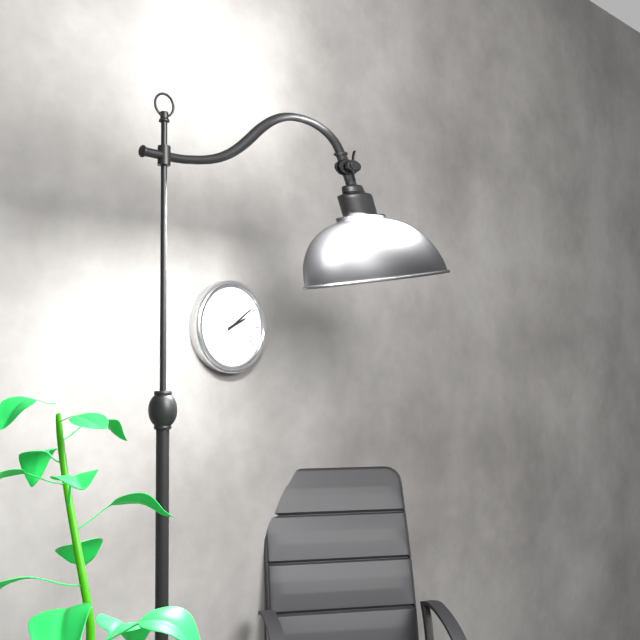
2:09
